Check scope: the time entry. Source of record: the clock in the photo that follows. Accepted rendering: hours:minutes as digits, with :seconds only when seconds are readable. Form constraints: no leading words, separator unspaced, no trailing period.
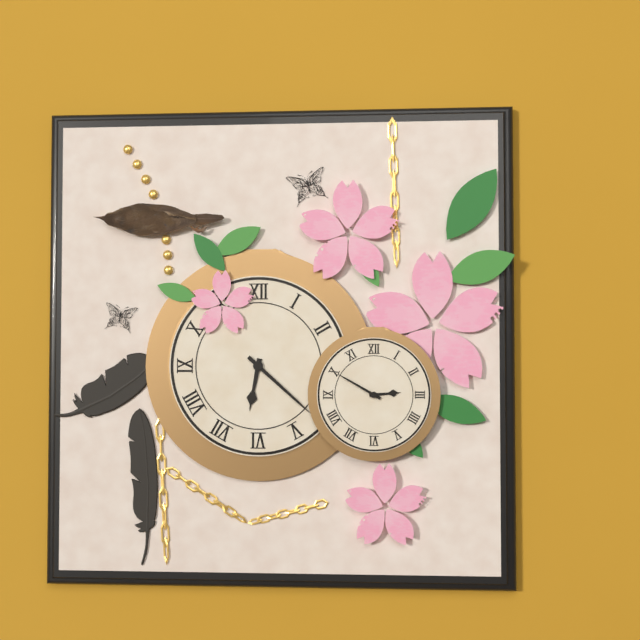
6:22
